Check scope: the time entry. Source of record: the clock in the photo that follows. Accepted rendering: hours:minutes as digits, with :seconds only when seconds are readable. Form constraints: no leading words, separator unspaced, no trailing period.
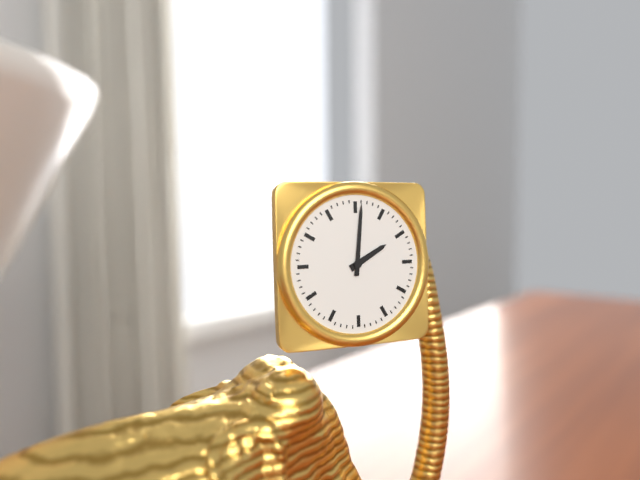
2:01
